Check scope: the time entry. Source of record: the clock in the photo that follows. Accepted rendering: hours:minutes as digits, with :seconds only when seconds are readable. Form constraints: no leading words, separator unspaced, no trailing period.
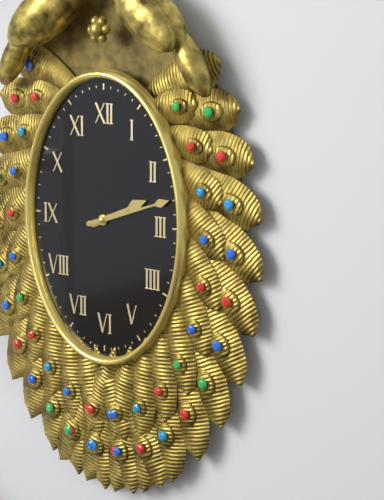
2:12
